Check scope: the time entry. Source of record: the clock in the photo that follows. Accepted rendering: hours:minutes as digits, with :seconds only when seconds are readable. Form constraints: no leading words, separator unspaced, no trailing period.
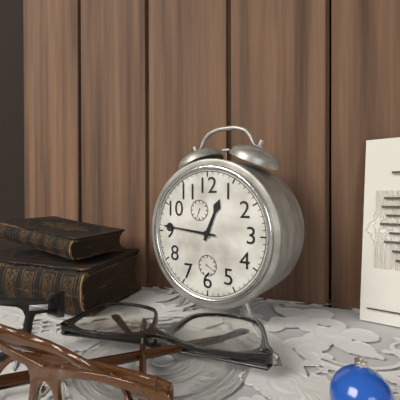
12:46
